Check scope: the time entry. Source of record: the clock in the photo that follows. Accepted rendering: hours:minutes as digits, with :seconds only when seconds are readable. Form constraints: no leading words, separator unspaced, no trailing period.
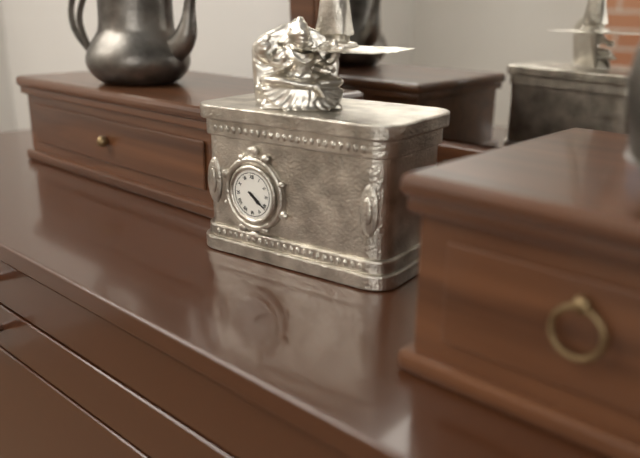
4:21
